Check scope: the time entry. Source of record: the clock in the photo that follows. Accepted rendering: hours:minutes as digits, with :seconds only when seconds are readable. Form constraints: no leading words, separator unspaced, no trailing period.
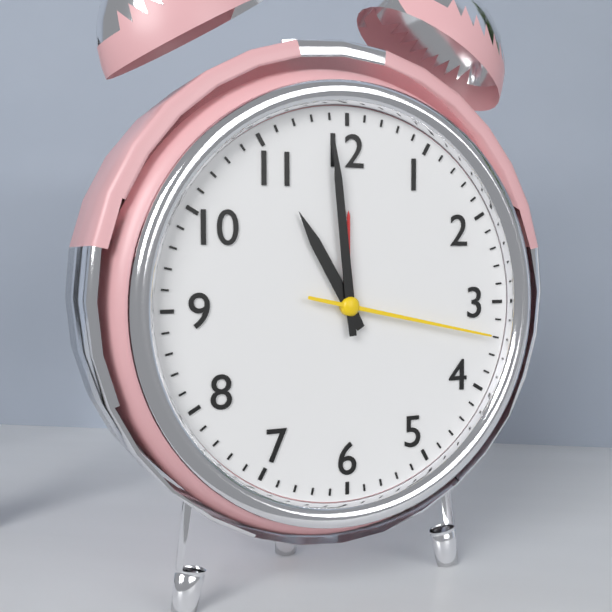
10:59:17
